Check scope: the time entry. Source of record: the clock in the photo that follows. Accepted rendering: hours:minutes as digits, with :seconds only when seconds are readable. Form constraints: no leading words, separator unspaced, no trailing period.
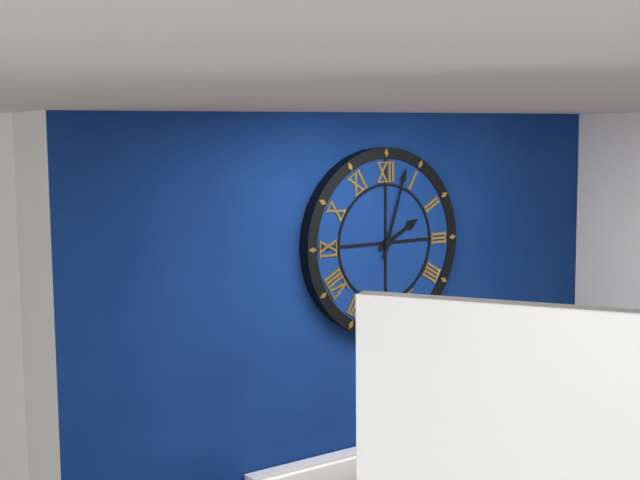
2:03
